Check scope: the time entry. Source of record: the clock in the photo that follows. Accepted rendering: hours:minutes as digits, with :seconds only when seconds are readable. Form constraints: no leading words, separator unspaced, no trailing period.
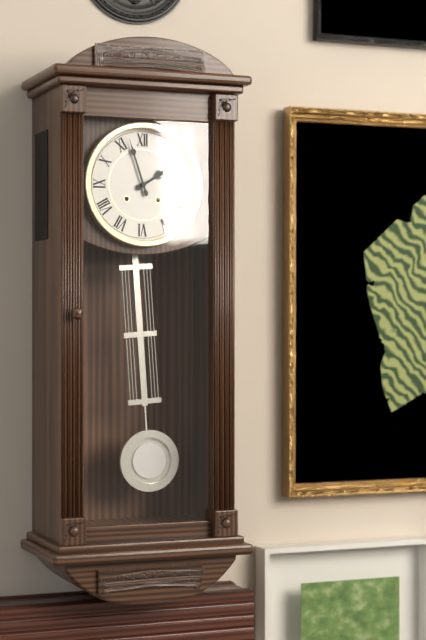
1:57
